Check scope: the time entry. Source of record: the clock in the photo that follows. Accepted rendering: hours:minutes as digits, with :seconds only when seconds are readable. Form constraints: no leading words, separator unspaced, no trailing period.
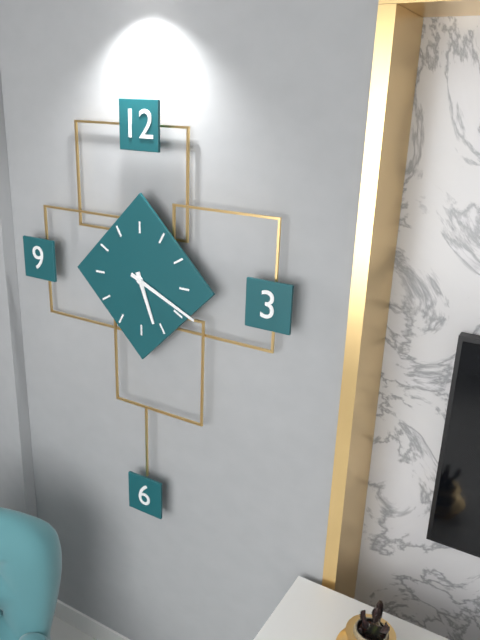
5:19
